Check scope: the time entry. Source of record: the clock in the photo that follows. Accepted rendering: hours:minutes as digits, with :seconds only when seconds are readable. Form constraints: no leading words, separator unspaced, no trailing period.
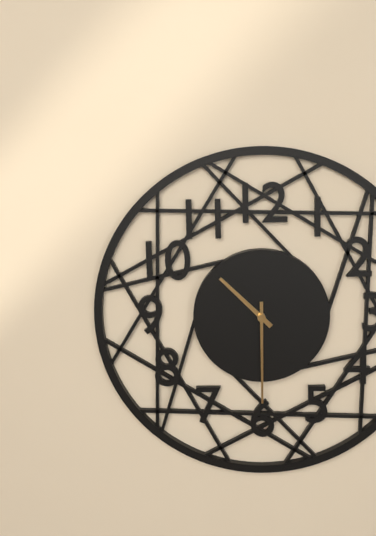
10:30
